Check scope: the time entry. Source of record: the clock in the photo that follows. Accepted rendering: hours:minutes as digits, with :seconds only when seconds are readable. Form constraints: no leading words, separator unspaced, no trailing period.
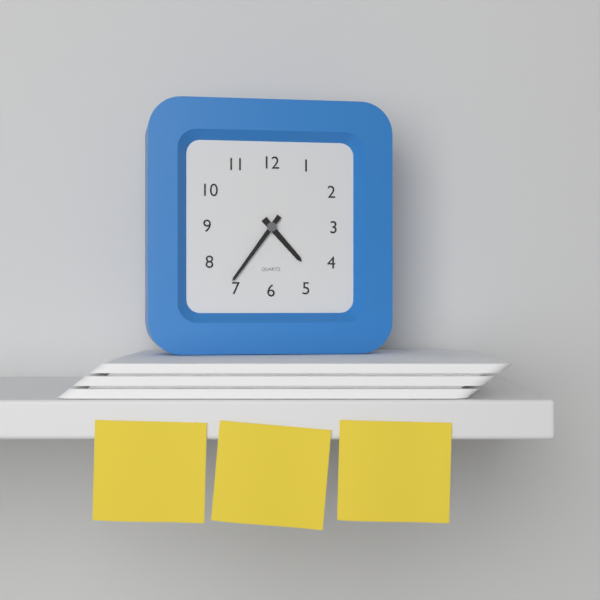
4:36
